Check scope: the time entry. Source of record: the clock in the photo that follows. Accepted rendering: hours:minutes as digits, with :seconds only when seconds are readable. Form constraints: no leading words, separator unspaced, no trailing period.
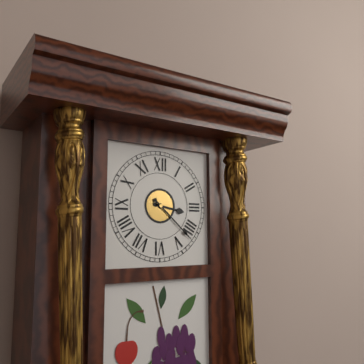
3:22
